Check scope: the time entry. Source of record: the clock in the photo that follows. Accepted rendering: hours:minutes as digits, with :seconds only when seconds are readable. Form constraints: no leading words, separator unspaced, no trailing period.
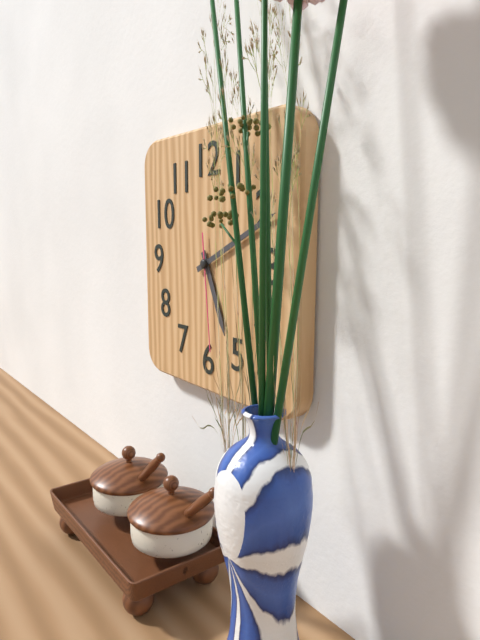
5:11:29
